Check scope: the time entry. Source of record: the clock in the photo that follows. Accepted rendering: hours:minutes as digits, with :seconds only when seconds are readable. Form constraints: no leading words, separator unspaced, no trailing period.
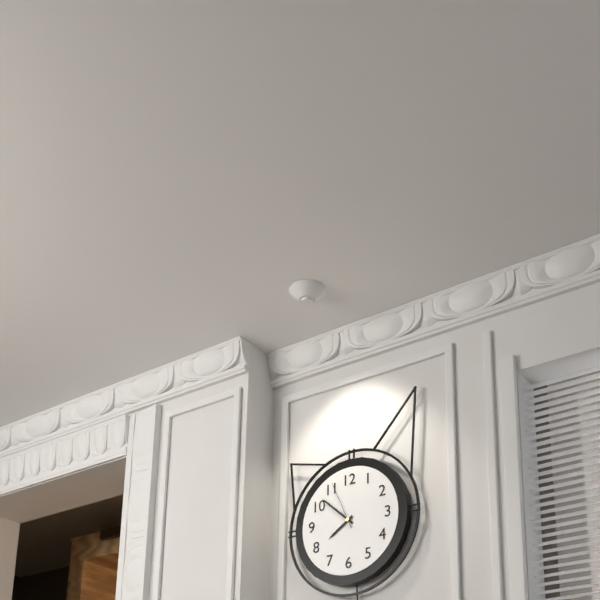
7:52:56
